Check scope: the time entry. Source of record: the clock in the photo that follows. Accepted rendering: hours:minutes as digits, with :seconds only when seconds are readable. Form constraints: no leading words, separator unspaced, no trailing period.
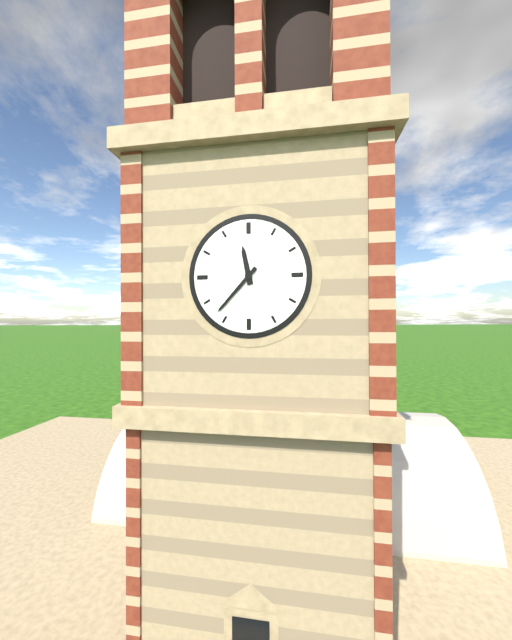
11:37
